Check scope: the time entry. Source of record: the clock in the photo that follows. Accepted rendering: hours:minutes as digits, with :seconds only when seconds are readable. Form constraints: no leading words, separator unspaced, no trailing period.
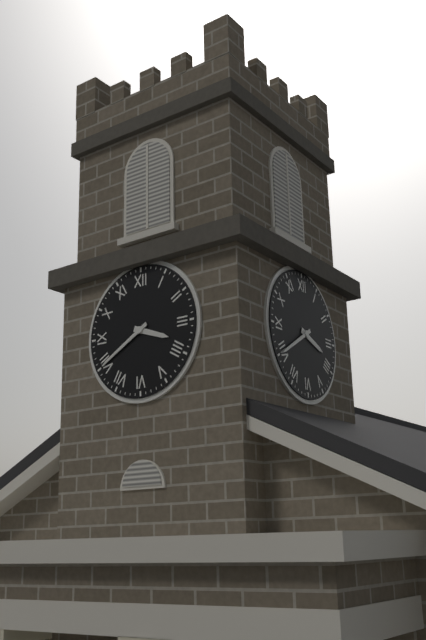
3:40
